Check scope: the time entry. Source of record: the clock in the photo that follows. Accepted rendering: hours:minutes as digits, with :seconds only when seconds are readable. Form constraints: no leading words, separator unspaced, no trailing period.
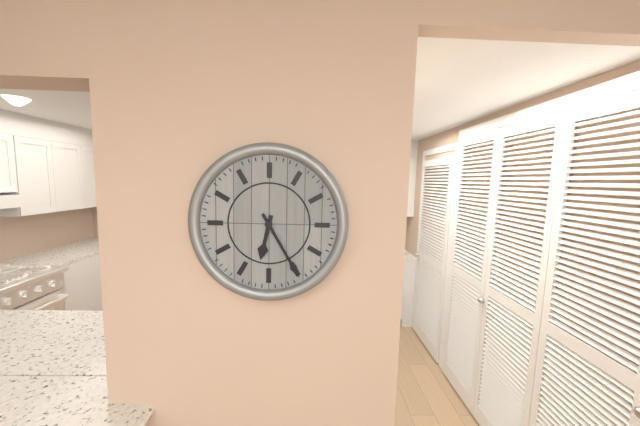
6:25
